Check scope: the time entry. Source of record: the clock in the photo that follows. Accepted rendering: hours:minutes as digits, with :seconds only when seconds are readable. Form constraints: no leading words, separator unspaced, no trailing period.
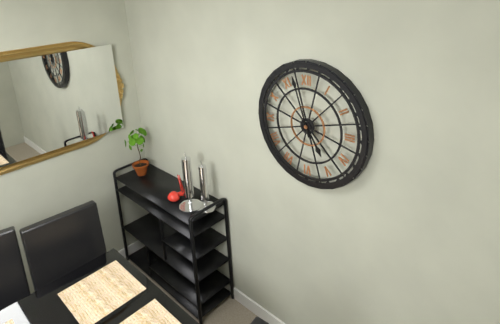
4:57
